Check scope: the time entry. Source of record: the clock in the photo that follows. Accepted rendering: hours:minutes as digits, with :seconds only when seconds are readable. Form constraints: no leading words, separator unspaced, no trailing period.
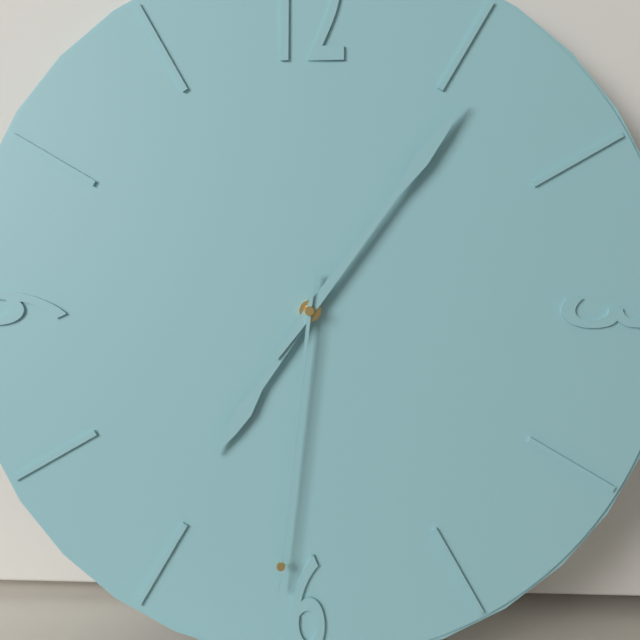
7:06:31
